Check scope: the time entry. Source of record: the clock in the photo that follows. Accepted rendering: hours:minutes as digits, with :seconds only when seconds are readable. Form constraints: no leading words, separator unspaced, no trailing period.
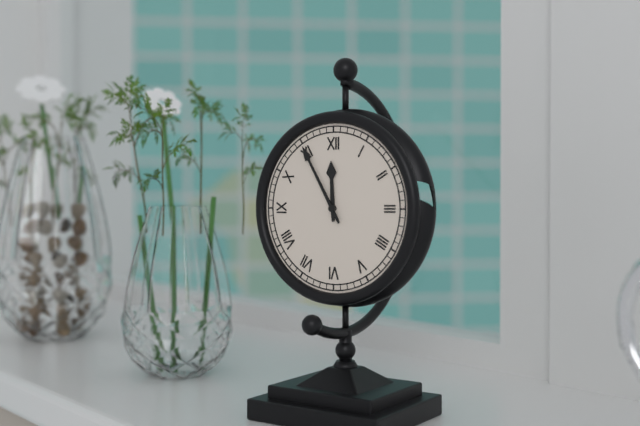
11:55
